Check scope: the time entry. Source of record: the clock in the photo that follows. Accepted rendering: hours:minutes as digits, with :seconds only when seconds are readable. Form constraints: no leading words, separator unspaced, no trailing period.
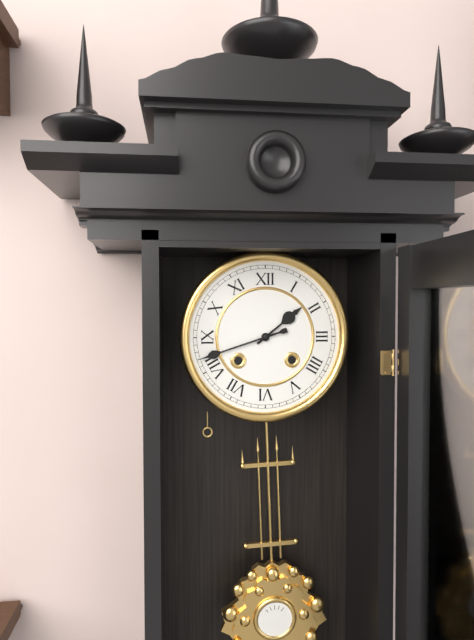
1:42
